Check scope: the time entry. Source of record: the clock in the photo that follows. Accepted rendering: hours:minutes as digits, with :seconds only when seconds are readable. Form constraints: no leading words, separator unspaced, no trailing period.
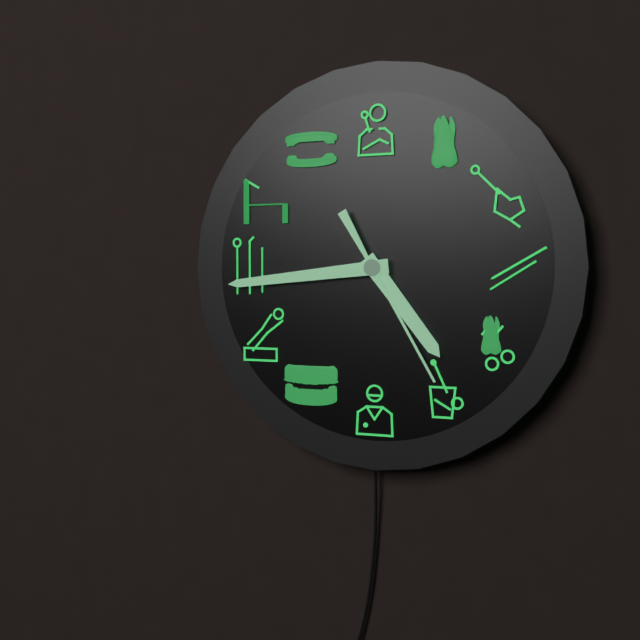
4:44:25
